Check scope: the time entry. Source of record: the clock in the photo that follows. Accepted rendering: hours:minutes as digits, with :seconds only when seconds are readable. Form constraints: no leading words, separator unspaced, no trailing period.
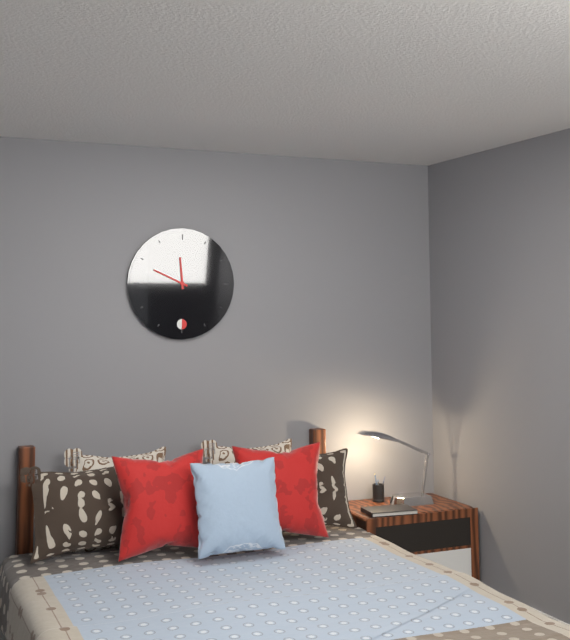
11:49
